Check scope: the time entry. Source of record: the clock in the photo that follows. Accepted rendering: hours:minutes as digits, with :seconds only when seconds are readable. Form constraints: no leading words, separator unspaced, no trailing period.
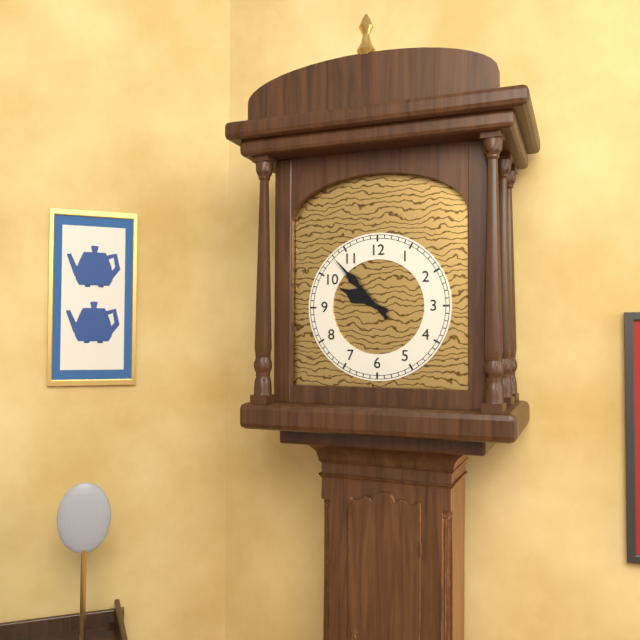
9:53
